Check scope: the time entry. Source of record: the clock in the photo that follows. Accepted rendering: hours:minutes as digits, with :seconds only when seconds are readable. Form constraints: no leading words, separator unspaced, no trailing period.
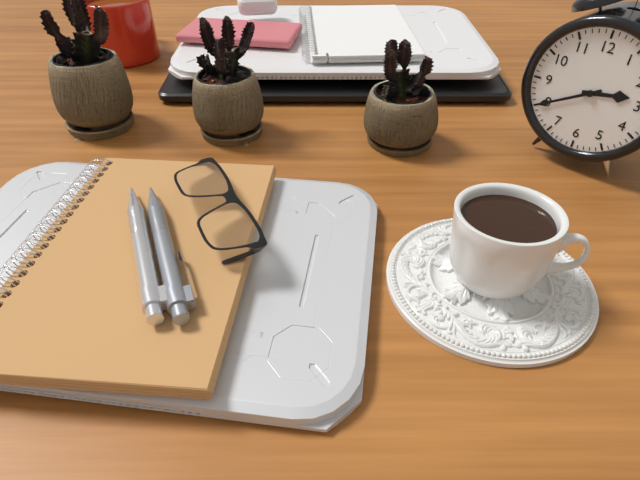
2:40
